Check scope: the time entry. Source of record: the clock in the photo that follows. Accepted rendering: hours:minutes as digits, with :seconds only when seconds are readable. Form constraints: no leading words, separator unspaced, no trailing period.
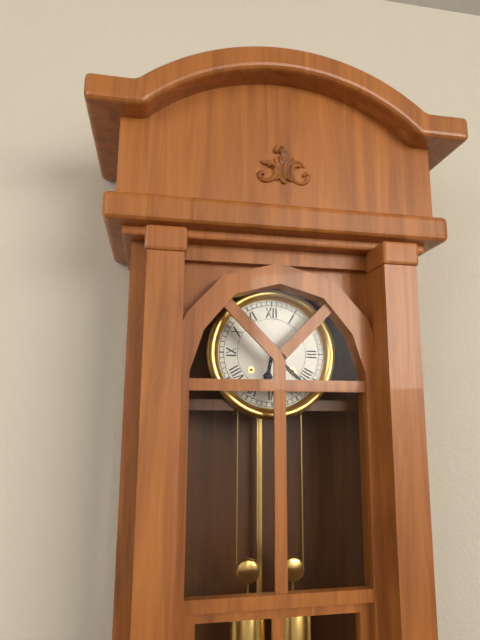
6:22
